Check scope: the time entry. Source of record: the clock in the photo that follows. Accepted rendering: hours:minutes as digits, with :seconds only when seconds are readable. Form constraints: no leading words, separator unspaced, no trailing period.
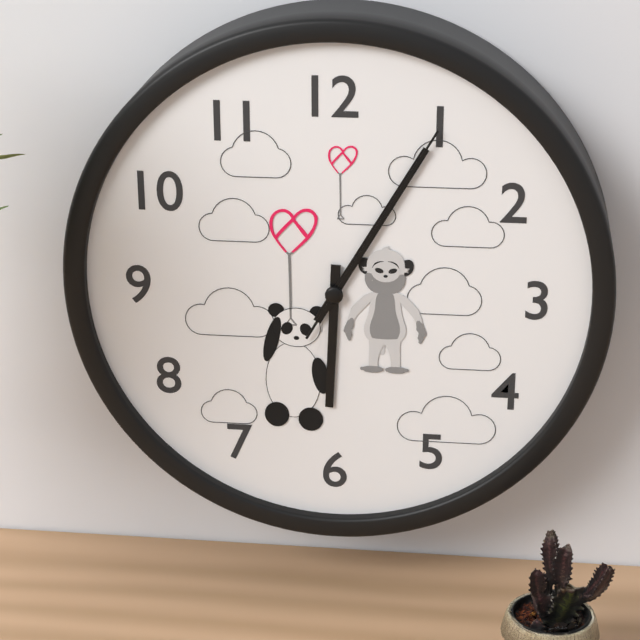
6:05:05
